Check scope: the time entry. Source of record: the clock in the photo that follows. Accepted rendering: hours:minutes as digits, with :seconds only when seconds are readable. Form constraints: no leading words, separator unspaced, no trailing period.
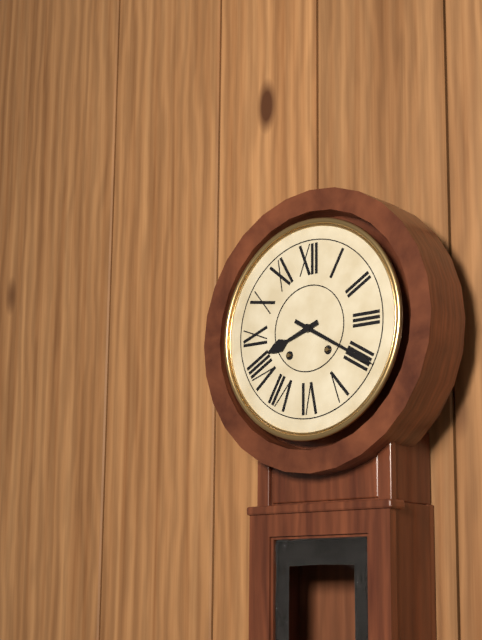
8:20
